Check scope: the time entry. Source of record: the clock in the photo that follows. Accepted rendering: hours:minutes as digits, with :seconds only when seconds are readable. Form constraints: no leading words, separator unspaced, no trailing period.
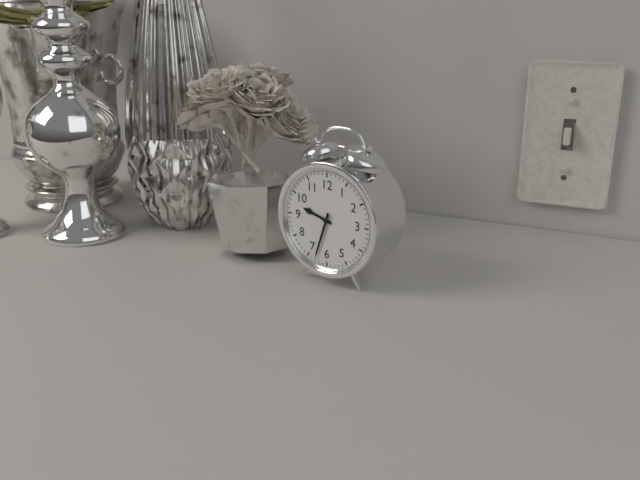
9:33
